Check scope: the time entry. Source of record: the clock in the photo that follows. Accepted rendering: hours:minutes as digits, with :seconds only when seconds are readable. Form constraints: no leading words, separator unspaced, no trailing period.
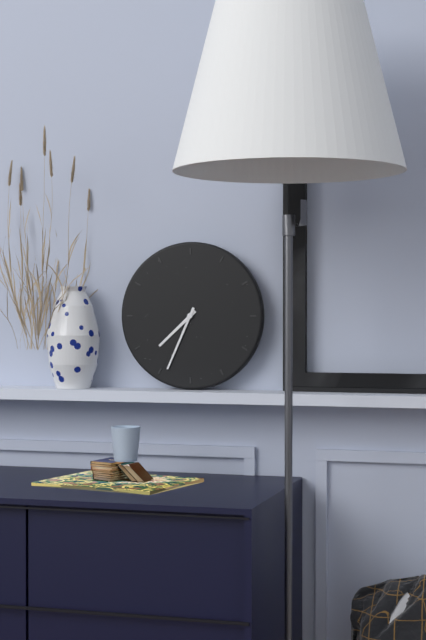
7:34
